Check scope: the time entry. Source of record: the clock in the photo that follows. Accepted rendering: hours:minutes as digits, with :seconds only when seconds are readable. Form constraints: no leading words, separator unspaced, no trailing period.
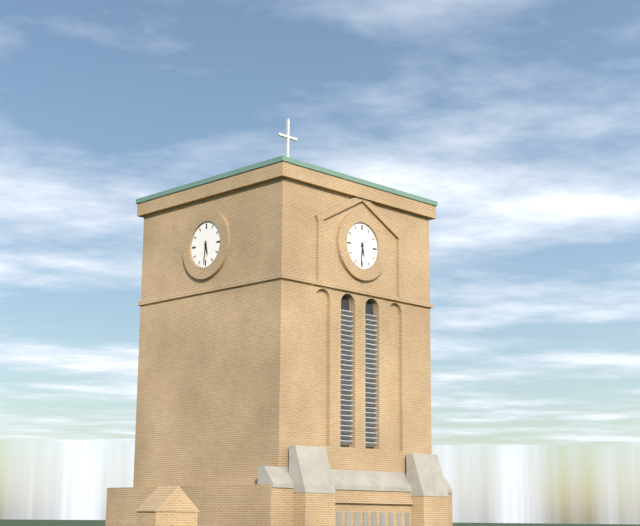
5:31
